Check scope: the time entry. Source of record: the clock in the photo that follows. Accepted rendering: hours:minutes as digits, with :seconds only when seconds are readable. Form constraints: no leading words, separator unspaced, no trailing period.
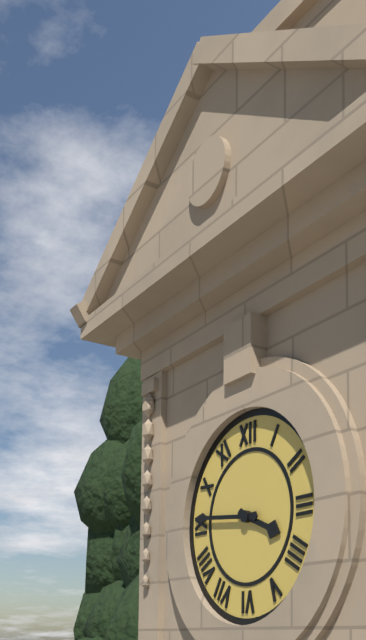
3:46
